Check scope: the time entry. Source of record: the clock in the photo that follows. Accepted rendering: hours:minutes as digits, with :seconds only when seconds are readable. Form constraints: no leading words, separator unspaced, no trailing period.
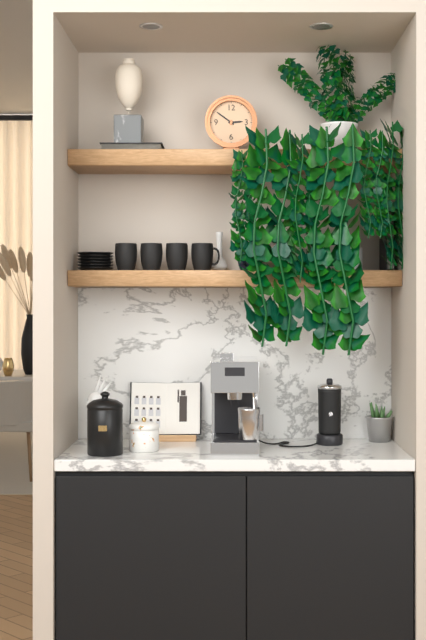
2:51
